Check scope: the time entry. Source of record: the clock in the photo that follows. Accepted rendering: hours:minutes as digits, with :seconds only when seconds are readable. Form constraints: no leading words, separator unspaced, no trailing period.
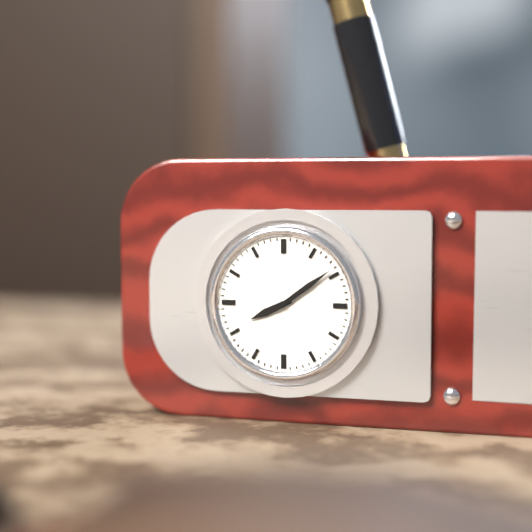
8:09
